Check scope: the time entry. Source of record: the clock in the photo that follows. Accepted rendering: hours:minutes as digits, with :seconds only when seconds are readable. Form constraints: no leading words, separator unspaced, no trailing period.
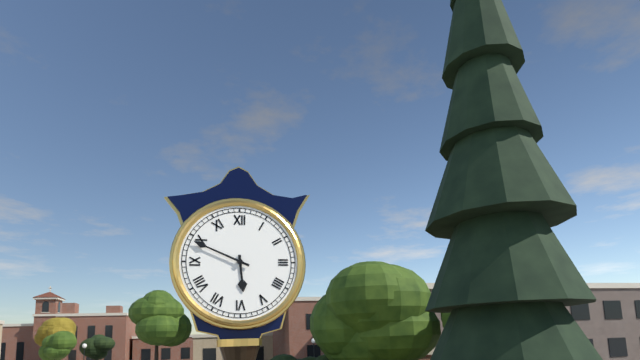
5:49
